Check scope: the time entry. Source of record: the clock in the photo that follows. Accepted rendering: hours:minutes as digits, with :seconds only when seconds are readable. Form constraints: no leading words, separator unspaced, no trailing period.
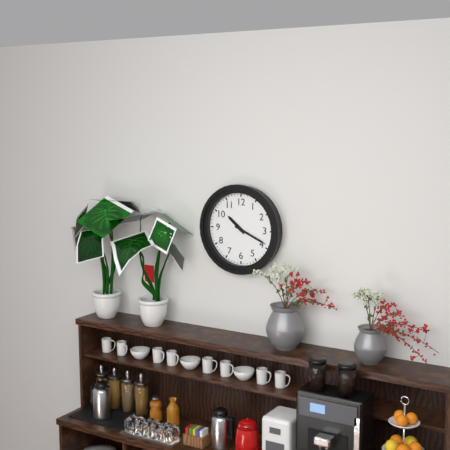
10:19
